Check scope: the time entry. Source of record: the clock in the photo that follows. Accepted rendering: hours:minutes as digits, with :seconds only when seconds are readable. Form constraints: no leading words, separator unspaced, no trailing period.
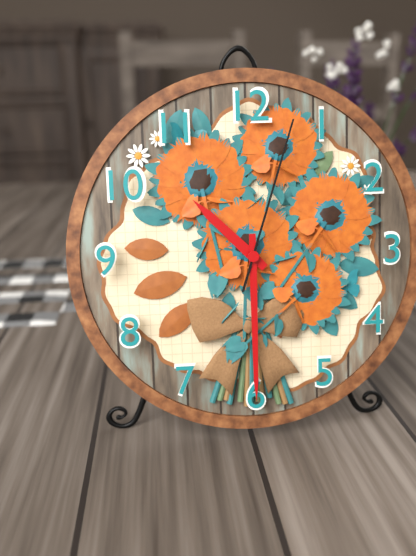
10:30:03
